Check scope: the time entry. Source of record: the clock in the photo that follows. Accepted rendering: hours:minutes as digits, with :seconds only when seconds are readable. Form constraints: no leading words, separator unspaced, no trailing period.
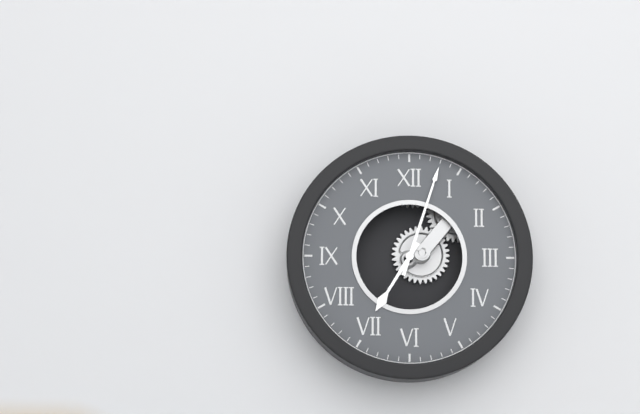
7:03
